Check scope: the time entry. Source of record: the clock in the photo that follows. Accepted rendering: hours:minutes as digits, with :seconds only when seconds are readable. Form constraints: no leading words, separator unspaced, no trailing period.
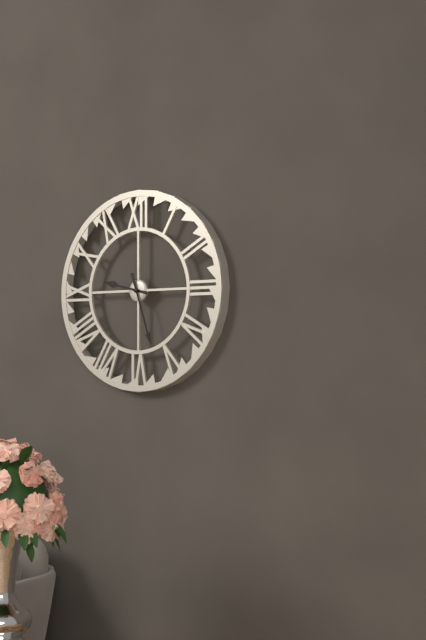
9:27
